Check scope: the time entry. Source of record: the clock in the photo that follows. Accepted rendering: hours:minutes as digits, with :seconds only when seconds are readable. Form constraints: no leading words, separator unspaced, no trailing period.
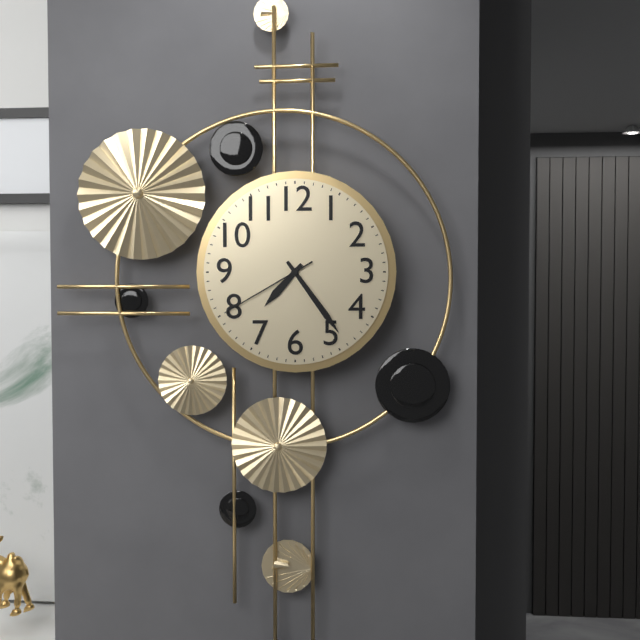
7:24:40
